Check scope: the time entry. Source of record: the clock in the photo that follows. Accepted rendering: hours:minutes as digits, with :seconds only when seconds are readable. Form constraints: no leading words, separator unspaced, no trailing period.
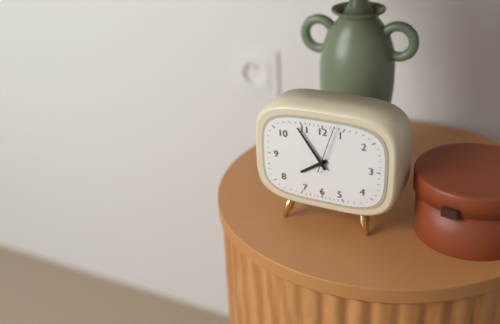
7:54
